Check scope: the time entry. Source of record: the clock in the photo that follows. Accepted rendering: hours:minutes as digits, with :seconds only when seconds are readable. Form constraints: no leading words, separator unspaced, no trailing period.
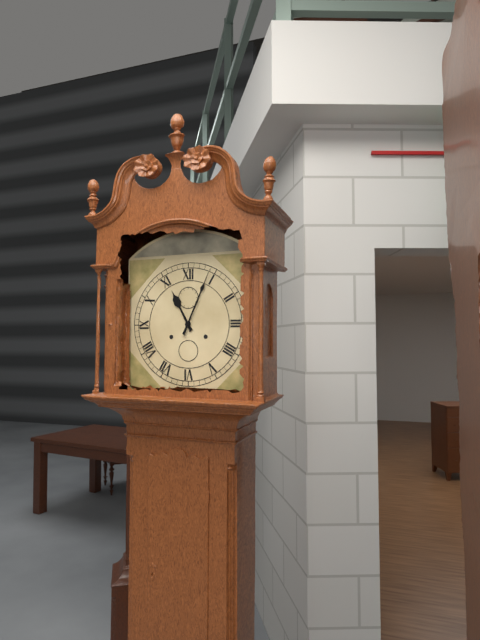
11:04
